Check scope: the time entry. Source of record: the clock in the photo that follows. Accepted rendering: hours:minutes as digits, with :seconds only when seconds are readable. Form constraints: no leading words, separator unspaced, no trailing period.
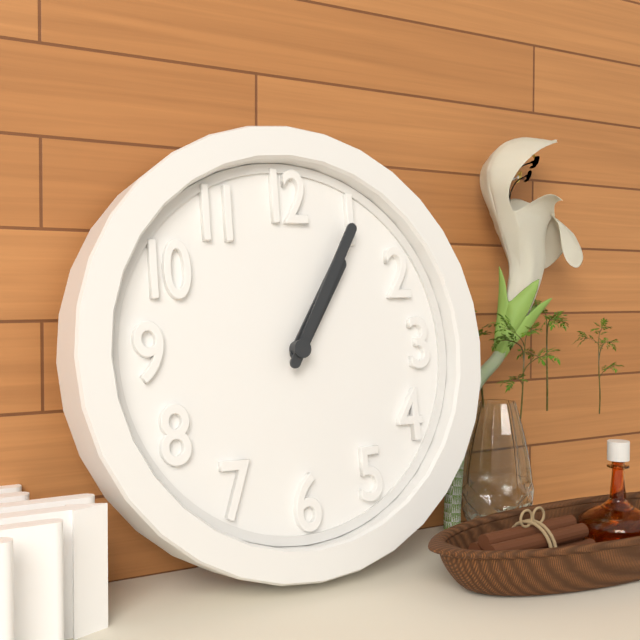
1:05
